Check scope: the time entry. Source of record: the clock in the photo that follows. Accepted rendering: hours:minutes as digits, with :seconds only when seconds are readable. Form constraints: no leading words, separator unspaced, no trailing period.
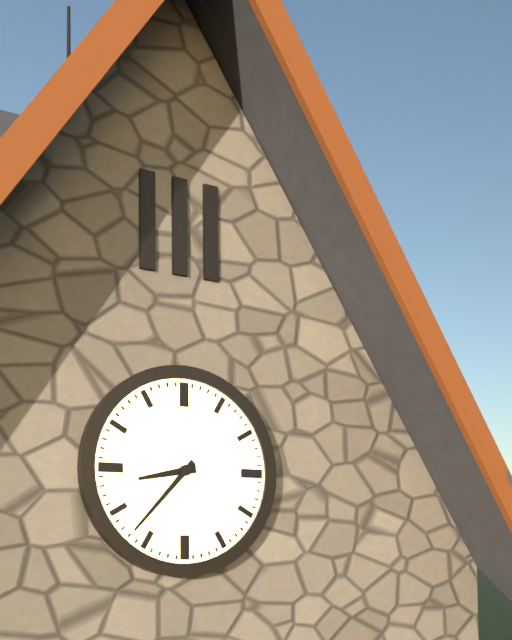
8:37
